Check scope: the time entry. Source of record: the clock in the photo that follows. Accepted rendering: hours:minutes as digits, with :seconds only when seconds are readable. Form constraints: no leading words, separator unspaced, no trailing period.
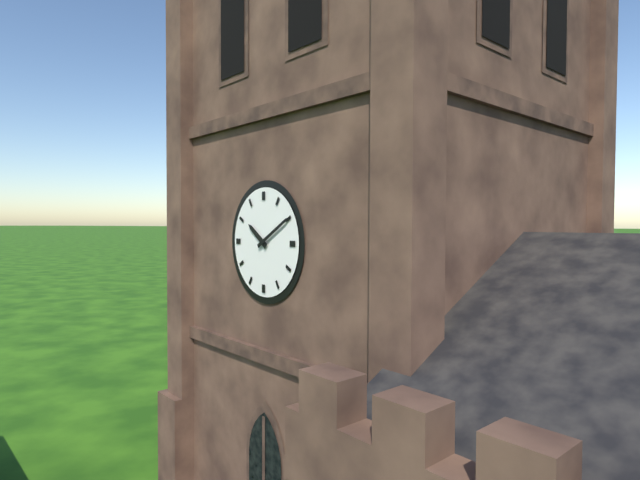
10:10
